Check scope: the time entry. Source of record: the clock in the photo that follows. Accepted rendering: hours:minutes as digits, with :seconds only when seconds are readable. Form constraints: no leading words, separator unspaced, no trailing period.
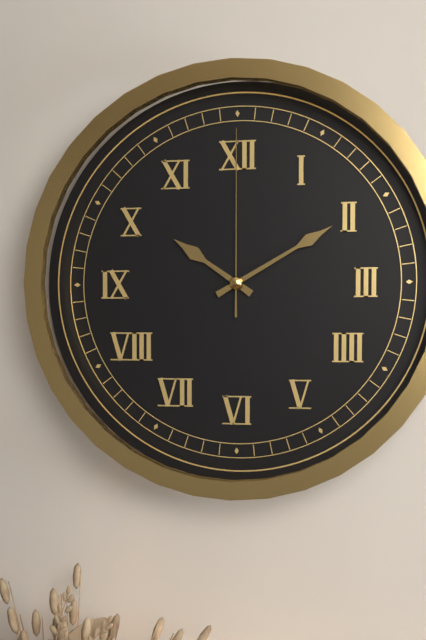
10:10:00
